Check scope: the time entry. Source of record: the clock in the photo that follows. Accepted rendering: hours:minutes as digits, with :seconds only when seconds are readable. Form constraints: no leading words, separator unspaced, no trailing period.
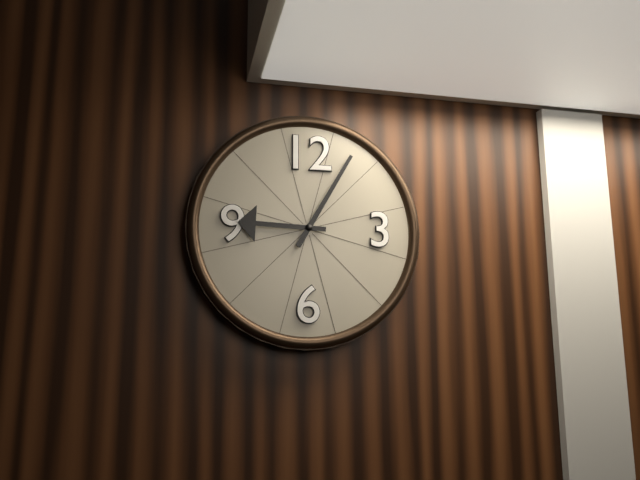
9:05
